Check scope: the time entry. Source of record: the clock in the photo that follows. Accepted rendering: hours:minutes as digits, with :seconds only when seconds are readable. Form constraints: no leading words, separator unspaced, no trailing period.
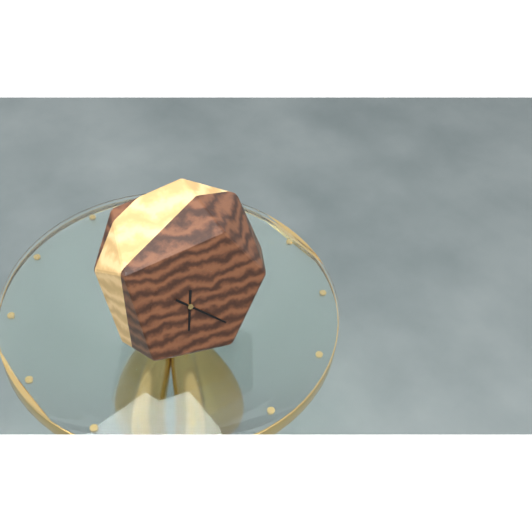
6:22
